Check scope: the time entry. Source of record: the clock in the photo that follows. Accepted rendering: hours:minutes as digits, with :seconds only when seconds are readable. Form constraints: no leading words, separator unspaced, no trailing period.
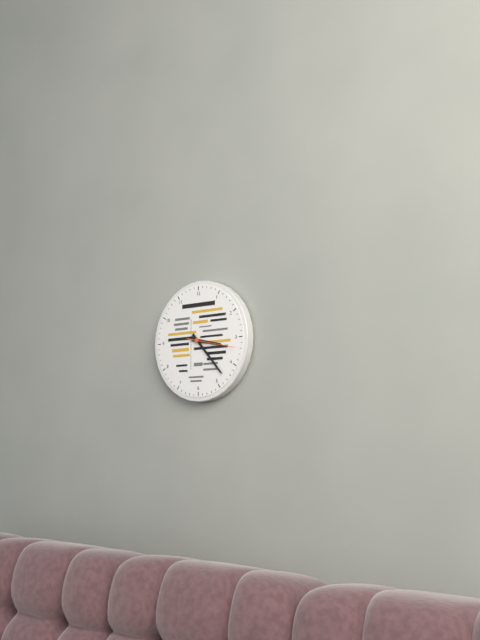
3:23
